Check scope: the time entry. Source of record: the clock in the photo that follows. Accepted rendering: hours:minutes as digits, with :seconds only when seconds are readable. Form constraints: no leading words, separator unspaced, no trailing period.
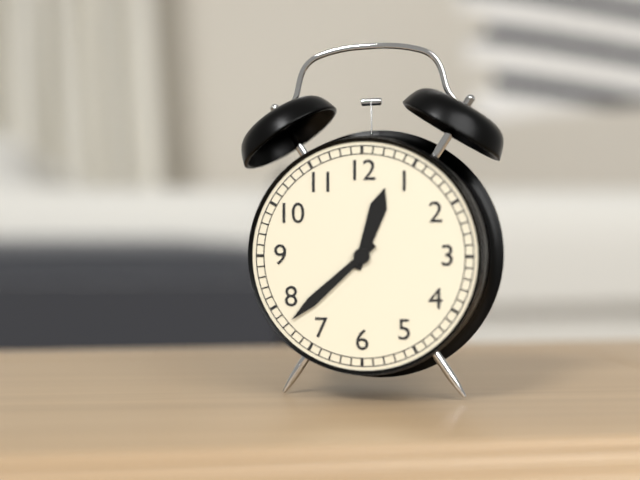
12:38
